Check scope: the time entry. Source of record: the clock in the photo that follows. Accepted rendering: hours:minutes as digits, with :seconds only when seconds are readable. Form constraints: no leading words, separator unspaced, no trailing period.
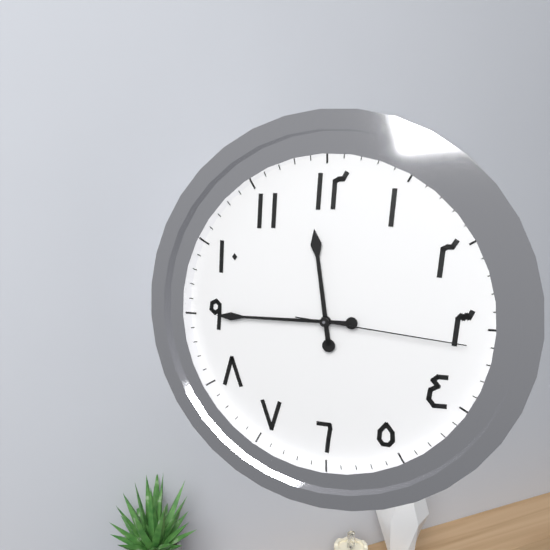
11:45:16
